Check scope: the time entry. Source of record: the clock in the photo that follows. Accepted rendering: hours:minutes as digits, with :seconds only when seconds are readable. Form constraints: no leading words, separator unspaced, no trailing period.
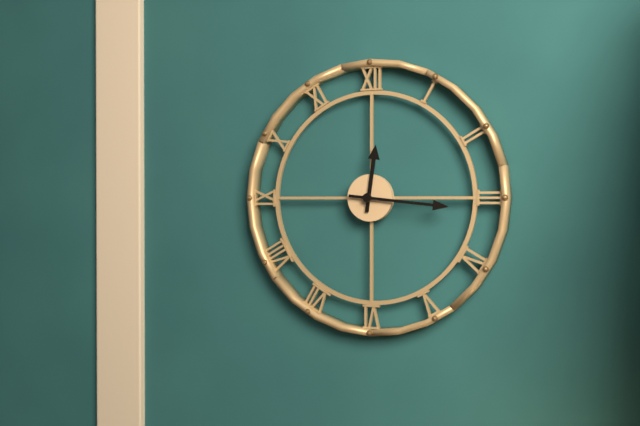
12:16
